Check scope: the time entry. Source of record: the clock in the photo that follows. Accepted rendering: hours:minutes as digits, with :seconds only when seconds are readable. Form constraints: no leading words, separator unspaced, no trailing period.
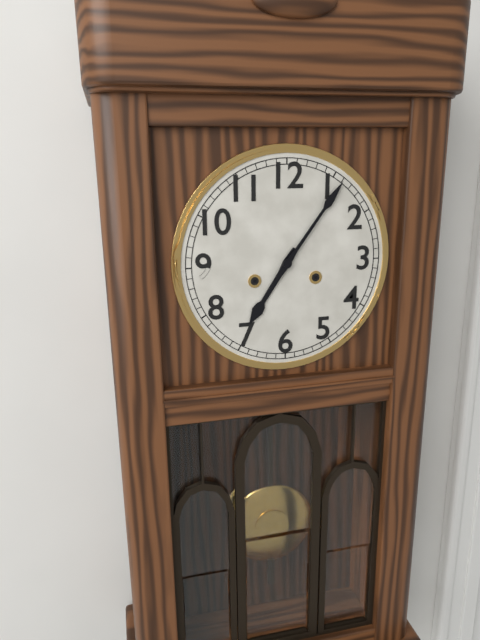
7:06
